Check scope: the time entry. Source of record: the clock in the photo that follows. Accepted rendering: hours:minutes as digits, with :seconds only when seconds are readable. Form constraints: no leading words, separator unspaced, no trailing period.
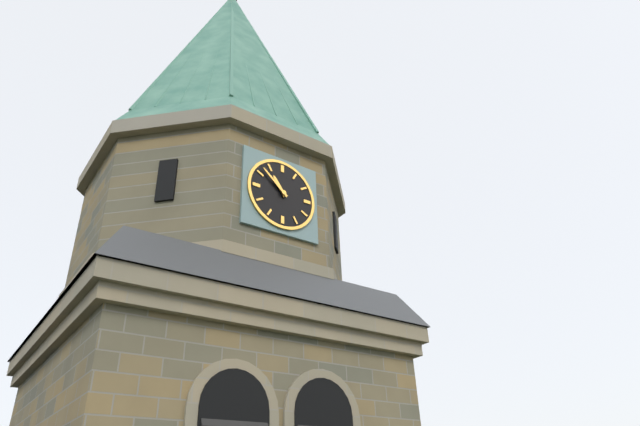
10:52
